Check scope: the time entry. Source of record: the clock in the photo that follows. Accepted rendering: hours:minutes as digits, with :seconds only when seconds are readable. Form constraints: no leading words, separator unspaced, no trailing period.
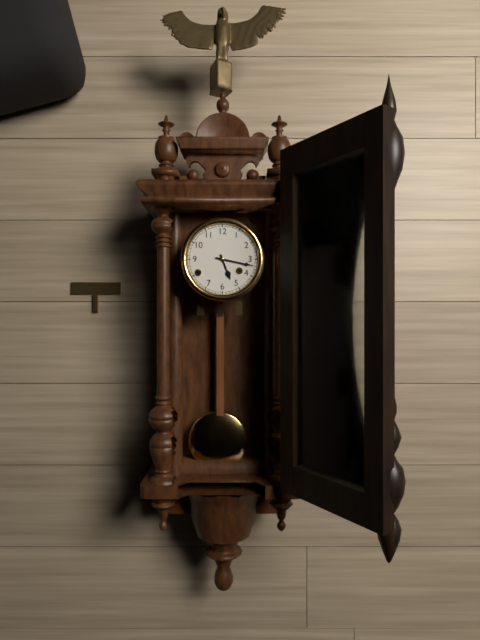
5:17
